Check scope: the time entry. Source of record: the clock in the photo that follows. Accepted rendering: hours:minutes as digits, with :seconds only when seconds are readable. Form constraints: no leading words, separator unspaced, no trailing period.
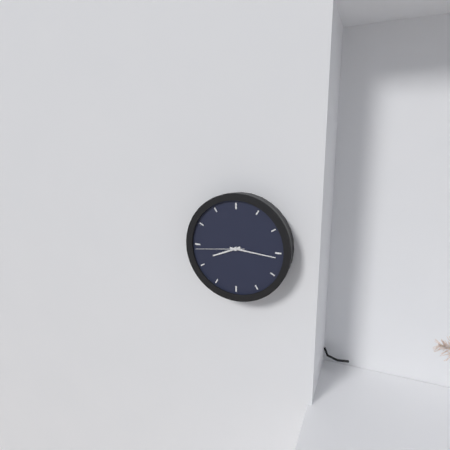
8:16
